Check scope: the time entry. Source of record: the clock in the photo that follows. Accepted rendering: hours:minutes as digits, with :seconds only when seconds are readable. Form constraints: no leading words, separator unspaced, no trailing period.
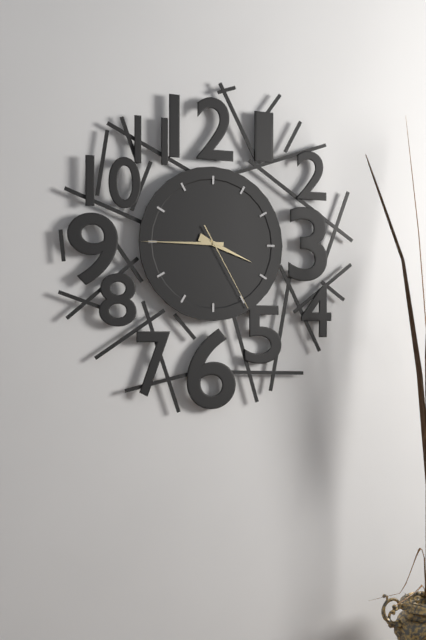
3:45:25
